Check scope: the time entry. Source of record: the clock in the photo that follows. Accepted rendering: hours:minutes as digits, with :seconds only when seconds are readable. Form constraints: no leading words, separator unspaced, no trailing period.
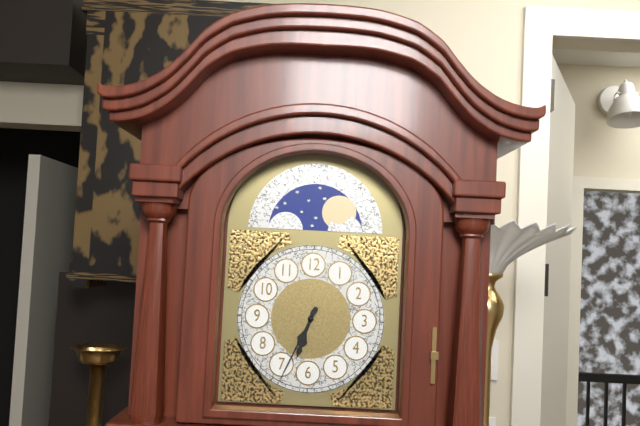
6:34
